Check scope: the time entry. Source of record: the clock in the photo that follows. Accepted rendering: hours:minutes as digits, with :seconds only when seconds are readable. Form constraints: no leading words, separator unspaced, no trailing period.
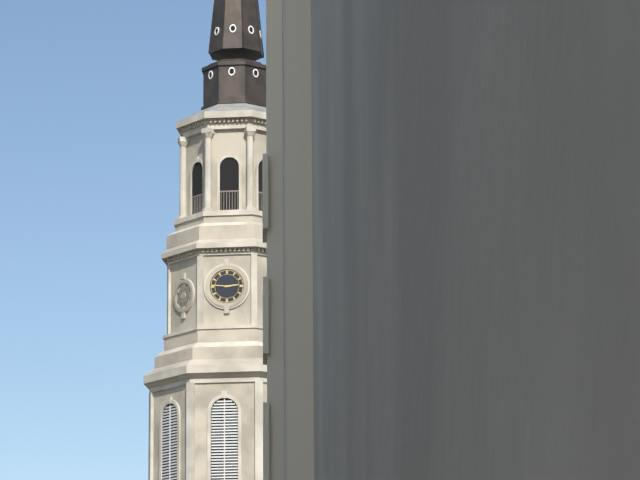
2:46
